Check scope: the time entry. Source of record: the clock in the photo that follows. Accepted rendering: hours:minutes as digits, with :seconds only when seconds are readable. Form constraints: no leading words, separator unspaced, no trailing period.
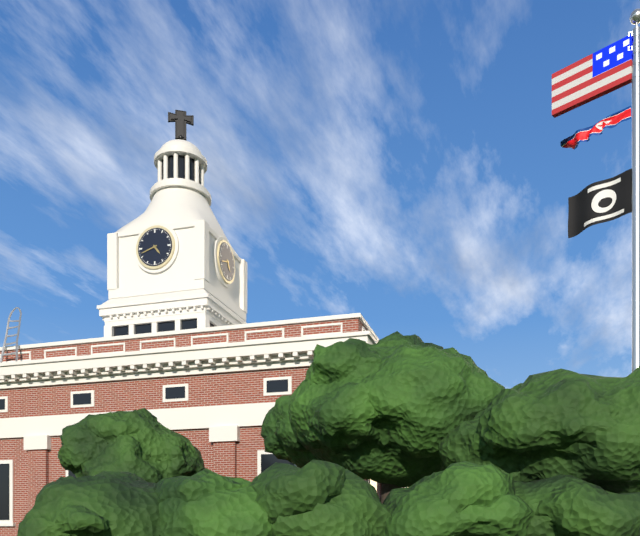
4:42
